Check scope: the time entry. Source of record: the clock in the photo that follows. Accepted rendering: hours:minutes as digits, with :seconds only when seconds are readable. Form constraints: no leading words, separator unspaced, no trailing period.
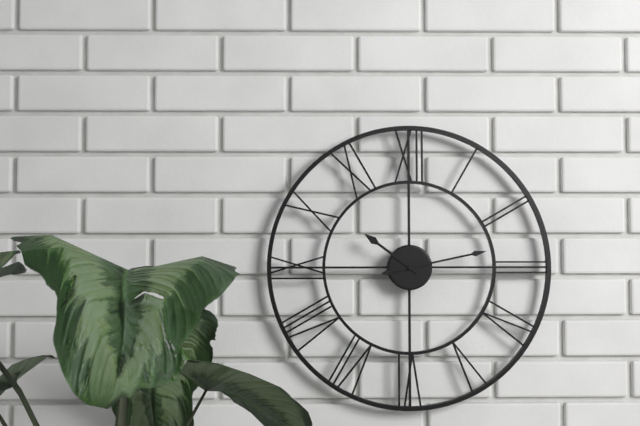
10:13
